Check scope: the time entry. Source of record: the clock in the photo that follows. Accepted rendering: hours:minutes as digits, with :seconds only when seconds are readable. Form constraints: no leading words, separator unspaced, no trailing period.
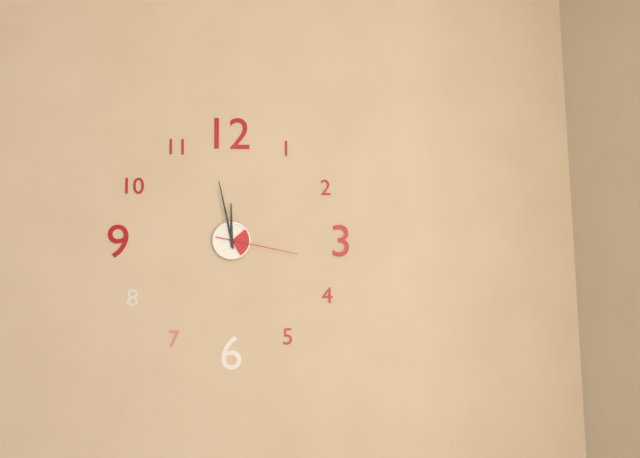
11:58:17
